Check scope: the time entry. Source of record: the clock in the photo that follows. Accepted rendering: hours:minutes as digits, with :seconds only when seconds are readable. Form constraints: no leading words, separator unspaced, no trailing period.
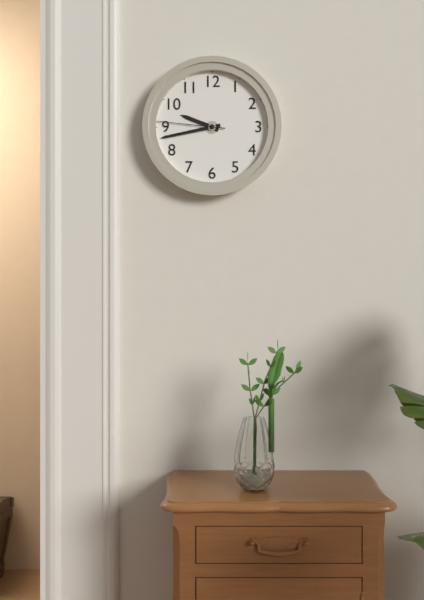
9:43:46
